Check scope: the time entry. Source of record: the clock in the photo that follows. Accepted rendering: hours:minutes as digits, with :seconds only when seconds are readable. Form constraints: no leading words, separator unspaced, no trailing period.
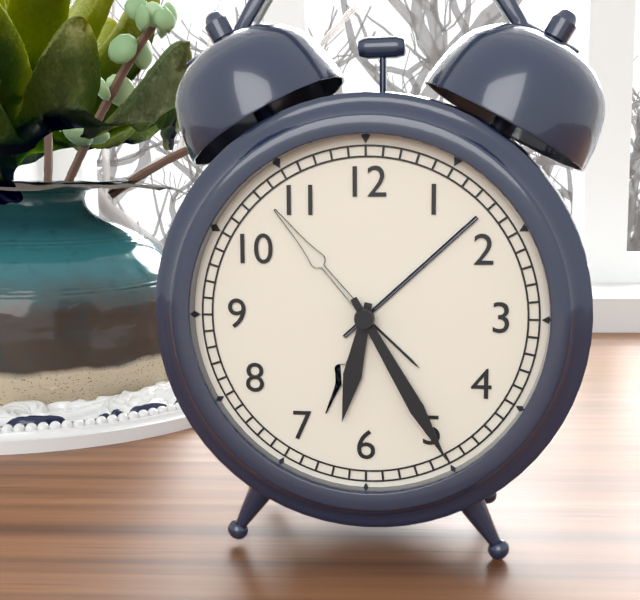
6:25
